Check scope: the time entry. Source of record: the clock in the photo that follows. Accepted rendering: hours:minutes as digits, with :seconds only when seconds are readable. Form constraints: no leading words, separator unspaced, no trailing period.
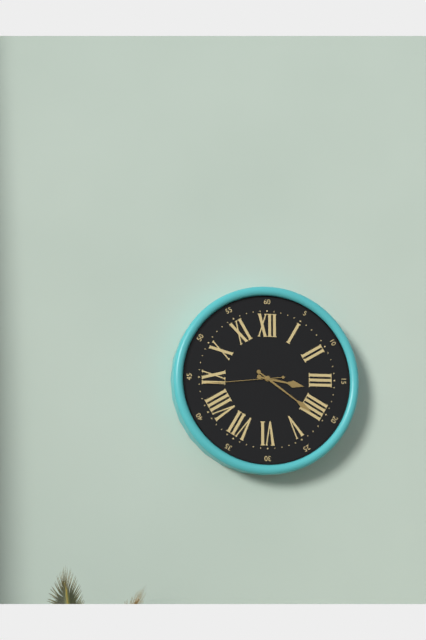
3:21:44
